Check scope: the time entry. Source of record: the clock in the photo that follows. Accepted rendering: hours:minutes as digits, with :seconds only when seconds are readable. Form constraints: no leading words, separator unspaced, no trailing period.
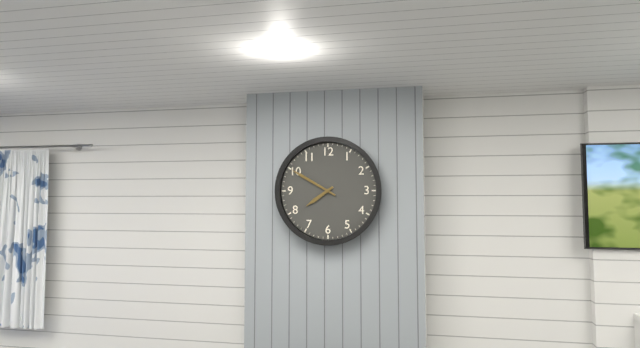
7:50
